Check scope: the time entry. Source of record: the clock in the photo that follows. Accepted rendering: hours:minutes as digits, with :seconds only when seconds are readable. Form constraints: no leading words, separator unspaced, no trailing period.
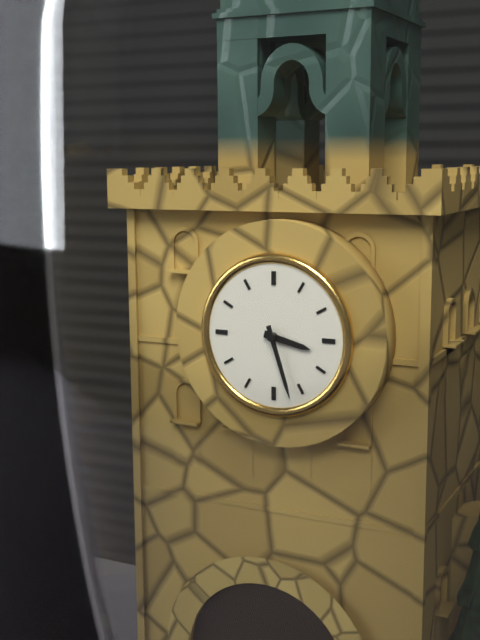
3:27
